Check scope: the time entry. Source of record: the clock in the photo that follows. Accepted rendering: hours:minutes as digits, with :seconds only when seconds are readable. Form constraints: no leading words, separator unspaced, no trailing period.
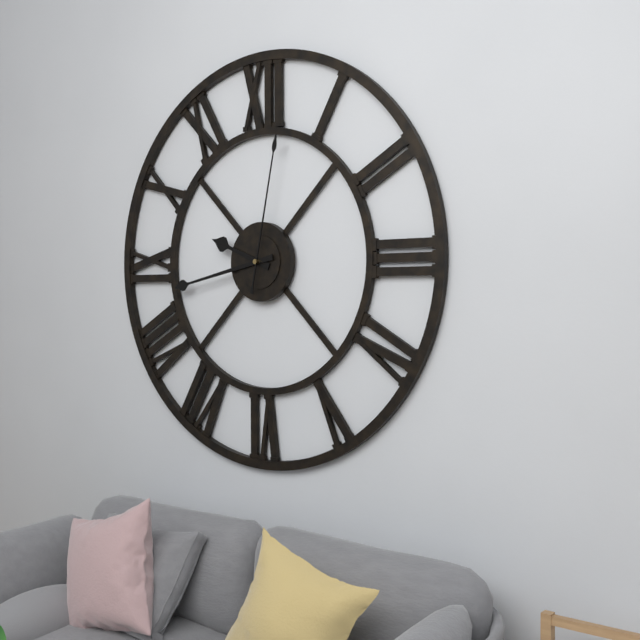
9:43:02
